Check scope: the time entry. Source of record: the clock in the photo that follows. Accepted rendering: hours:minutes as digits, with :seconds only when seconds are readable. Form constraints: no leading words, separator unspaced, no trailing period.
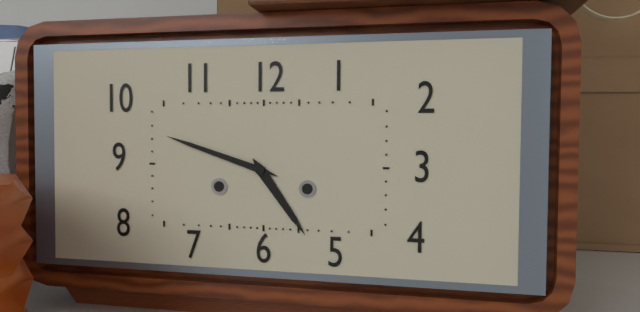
4:48
